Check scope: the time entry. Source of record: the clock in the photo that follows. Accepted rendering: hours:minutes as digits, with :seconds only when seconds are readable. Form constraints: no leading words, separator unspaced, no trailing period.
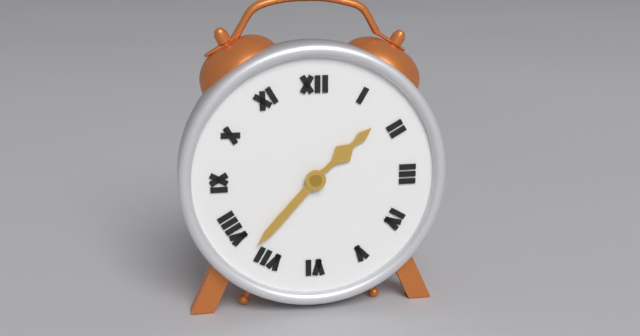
1:37
